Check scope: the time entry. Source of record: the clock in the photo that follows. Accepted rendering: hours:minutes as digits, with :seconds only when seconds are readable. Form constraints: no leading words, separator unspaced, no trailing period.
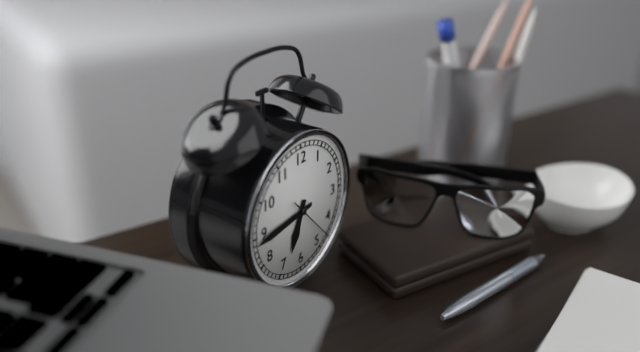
6:44
